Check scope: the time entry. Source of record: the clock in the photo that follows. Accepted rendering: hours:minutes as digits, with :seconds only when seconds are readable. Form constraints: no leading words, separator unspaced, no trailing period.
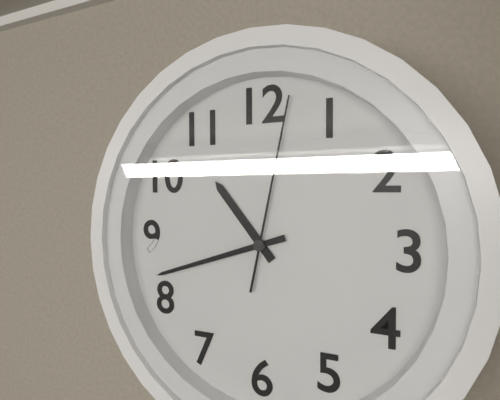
10:42:02
